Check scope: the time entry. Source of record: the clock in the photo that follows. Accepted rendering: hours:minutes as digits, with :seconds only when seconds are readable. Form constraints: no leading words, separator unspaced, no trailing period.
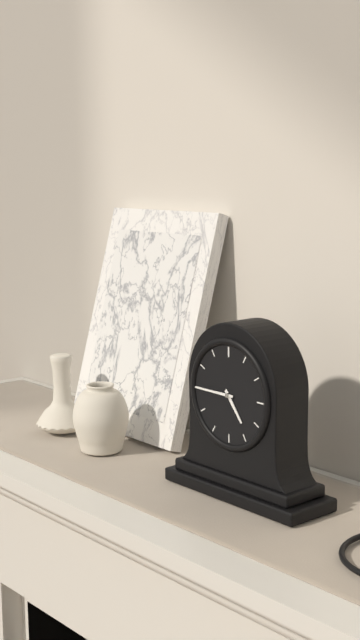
4:45
